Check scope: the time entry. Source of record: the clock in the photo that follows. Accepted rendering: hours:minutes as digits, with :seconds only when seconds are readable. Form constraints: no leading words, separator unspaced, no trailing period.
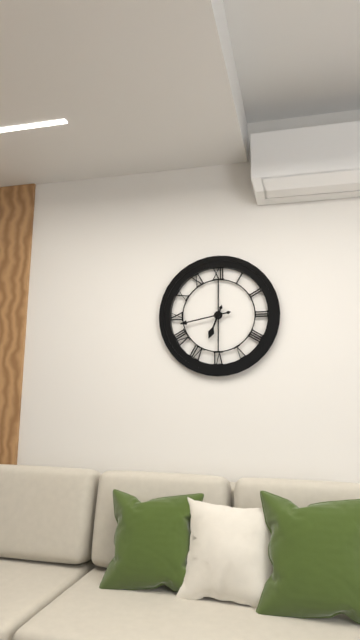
6:43
